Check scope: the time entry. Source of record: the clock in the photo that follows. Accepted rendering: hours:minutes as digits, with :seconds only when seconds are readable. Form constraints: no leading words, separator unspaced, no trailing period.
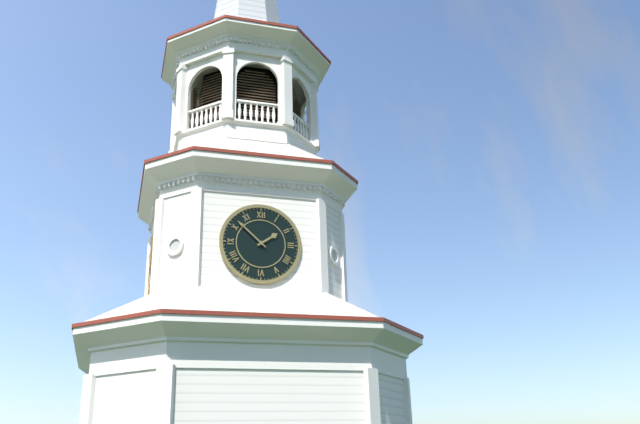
1:52
